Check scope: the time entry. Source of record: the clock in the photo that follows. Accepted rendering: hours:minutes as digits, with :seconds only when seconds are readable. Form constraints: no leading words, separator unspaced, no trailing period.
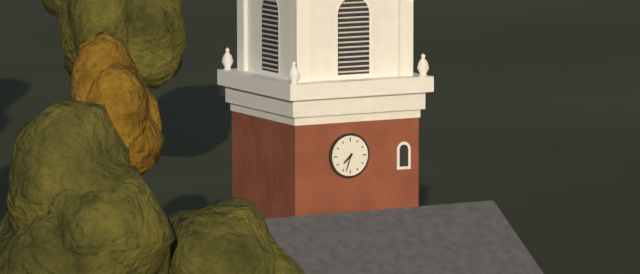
7:33
